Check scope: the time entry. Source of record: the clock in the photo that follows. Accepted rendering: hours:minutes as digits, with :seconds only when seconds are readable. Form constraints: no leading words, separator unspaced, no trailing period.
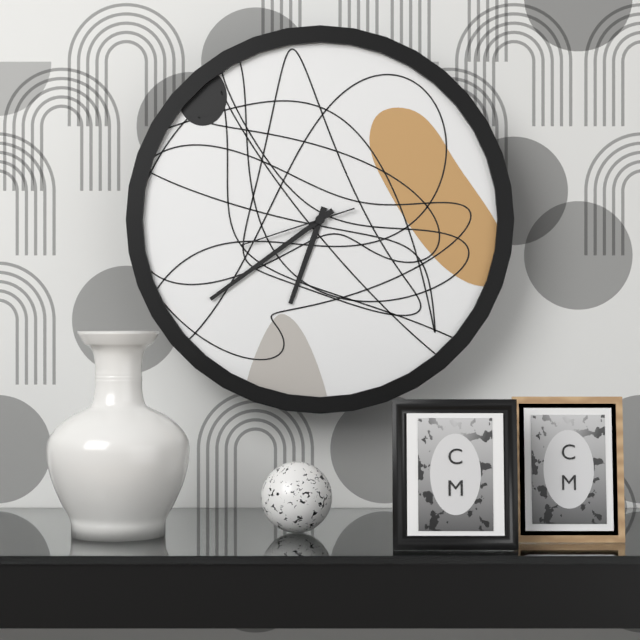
6:39:42
